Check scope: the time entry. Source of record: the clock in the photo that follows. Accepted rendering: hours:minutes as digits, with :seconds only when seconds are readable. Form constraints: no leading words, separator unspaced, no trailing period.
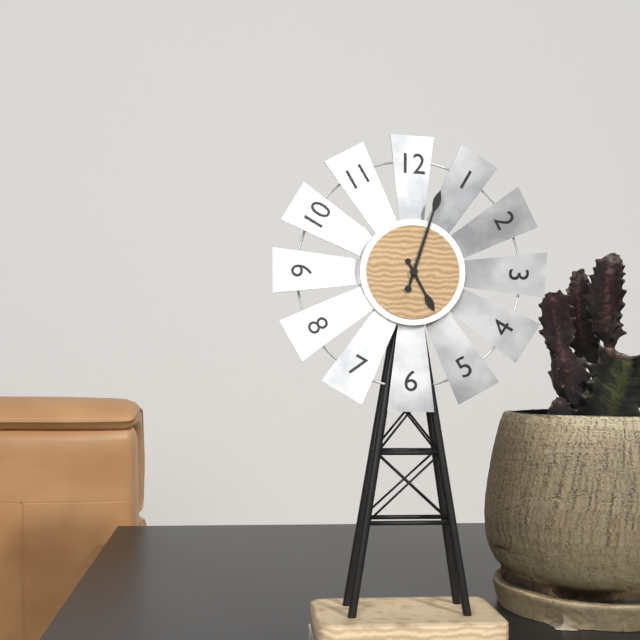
5:03
